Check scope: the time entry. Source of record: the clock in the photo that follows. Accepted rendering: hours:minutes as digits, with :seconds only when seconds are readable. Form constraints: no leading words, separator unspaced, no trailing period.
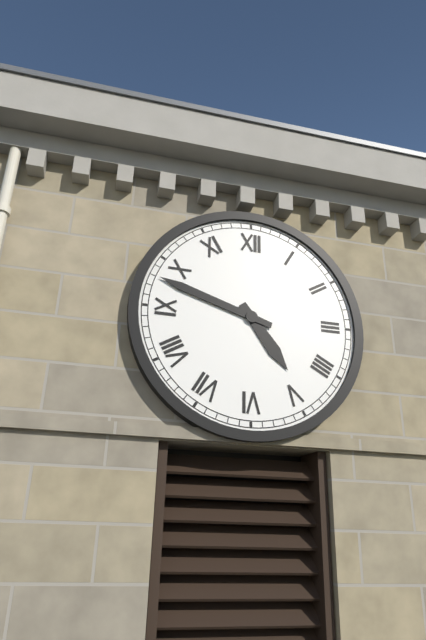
4:48
